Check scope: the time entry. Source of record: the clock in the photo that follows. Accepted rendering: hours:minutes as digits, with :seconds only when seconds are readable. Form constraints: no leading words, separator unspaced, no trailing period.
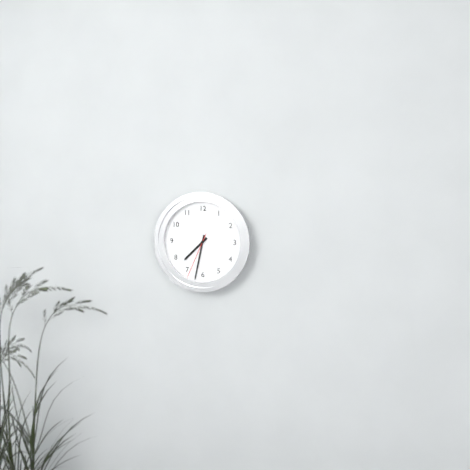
7:32:34
